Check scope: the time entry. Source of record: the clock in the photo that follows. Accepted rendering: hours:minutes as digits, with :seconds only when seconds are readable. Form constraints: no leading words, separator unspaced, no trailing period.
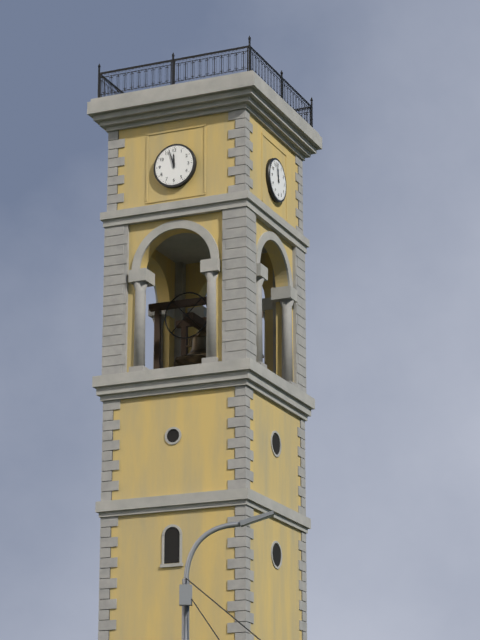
11:57
